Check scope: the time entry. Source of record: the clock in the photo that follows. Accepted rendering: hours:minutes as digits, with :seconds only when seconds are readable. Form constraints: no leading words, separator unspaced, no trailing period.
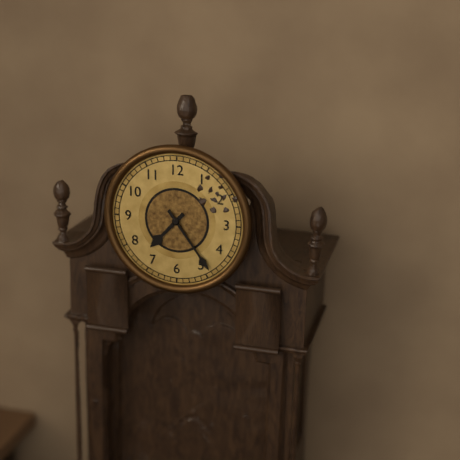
7:24
